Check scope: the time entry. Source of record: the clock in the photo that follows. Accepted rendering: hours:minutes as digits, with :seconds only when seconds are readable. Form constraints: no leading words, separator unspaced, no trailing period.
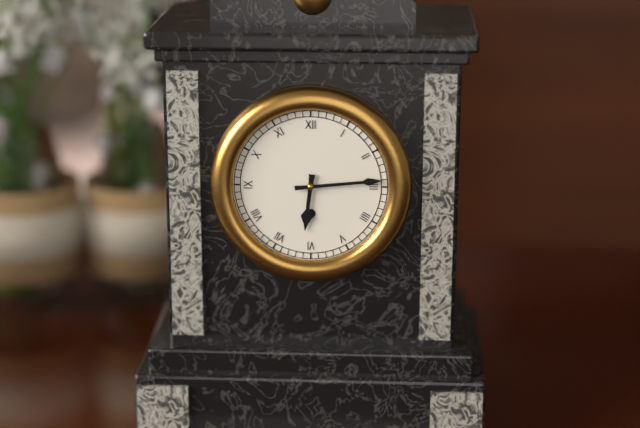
6:14
